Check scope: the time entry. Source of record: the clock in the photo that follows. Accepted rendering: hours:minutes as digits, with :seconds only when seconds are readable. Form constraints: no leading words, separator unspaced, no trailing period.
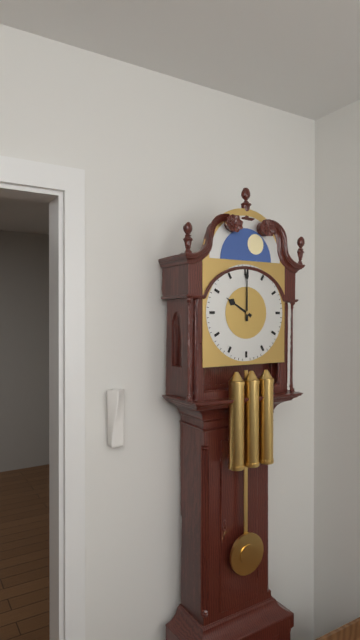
10:00
